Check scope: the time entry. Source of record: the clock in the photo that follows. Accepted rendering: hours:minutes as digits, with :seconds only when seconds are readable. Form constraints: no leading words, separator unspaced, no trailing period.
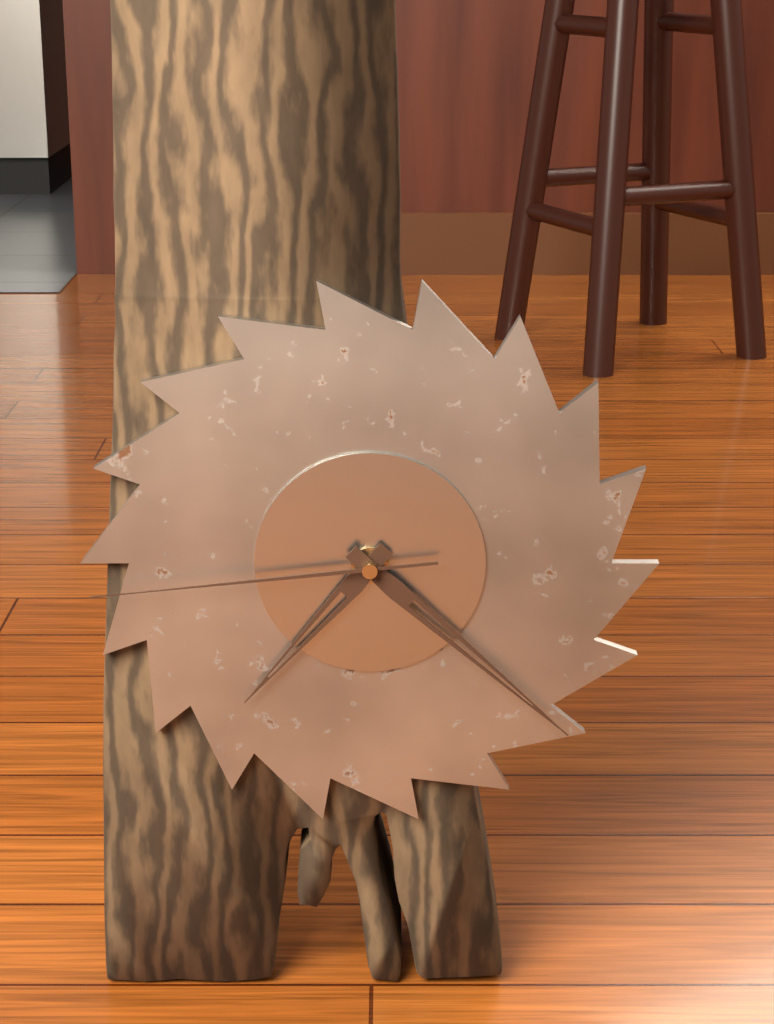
7:22:44
